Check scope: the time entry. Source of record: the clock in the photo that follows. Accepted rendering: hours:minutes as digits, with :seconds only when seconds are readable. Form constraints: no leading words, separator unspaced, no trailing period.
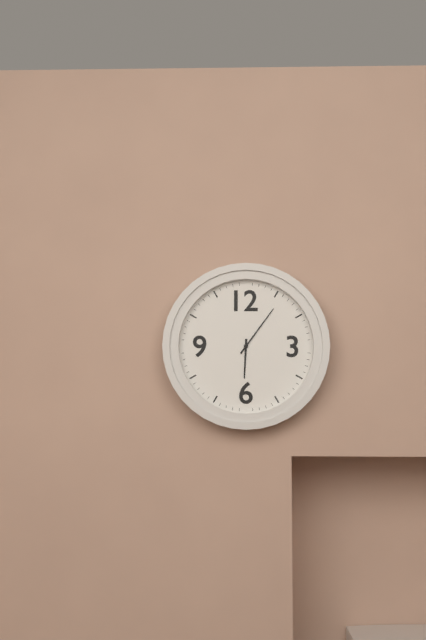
6:06
